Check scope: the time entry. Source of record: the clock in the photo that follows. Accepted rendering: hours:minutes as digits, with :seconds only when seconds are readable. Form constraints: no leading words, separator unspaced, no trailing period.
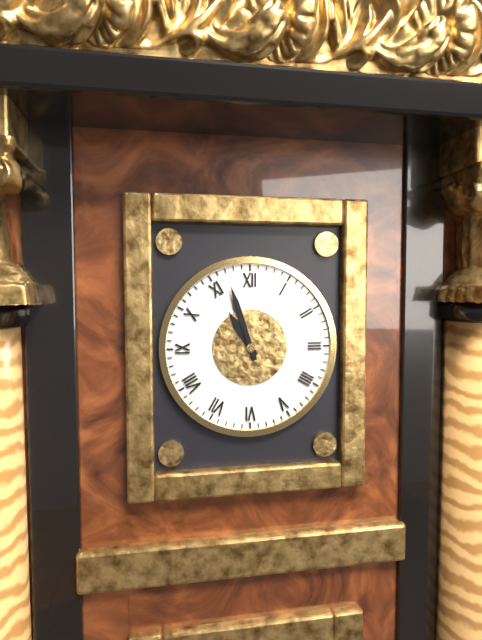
10:57
